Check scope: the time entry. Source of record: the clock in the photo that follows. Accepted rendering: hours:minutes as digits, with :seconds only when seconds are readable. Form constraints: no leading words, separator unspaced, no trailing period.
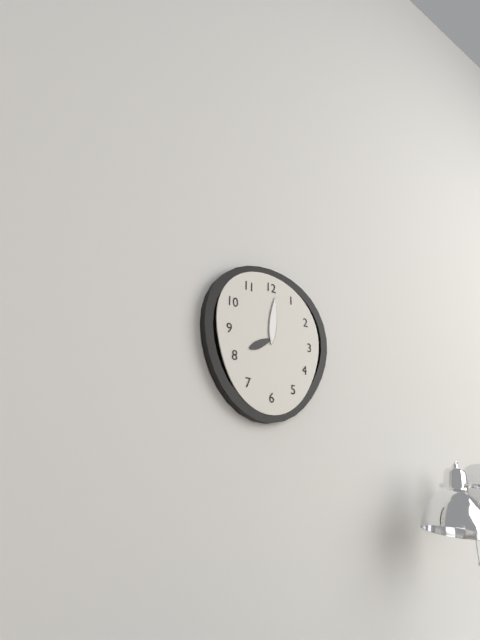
8:01
